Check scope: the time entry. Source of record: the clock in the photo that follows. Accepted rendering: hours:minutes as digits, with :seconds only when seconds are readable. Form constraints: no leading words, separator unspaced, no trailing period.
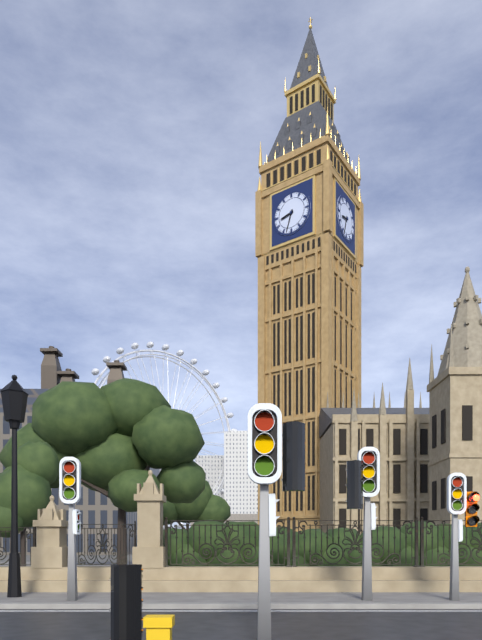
8:33
